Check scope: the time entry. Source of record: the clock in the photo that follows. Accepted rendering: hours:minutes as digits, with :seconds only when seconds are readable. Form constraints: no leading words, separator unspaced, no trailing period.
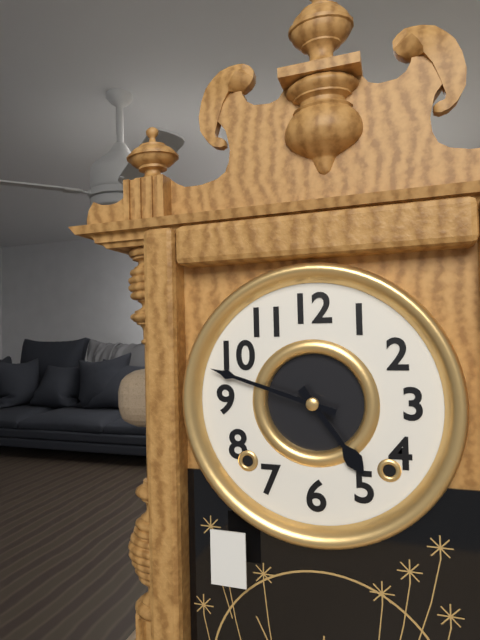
4:48
